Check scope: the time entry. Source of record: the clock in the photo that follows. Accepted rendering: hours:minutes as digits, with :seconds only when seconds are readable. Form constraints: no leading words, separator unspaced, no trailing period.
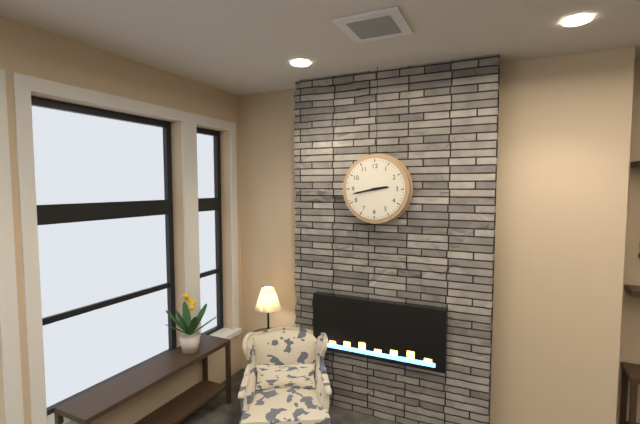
2:43
